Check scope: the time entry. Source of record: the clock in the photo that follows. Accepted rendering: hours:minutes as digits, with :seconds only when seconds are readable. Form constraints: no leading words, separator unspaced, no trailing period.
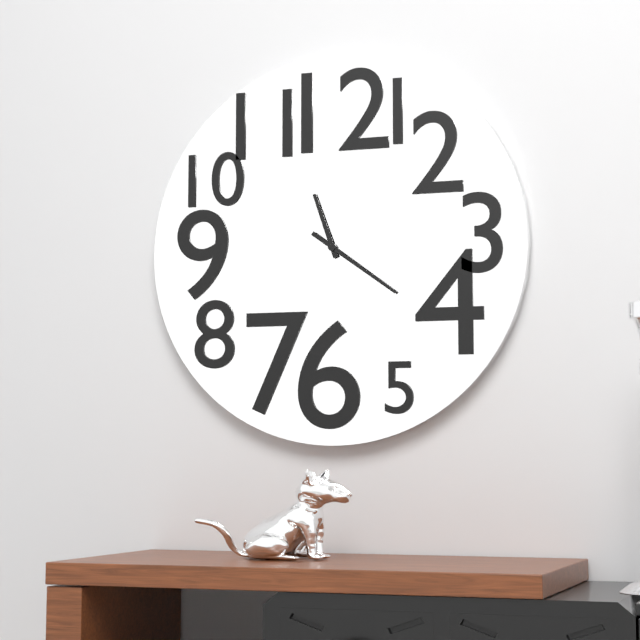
11:21
